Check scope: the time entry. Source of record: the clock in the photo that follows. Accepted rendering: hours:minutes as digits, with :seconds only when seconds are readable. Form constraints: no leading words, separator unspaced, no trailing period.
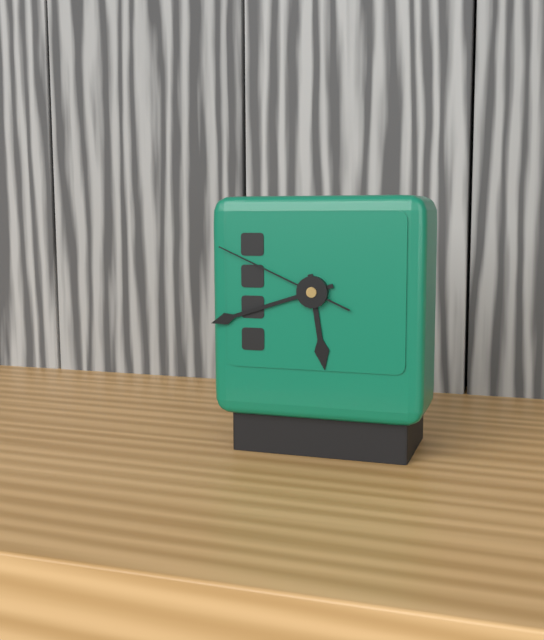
5:42:49
